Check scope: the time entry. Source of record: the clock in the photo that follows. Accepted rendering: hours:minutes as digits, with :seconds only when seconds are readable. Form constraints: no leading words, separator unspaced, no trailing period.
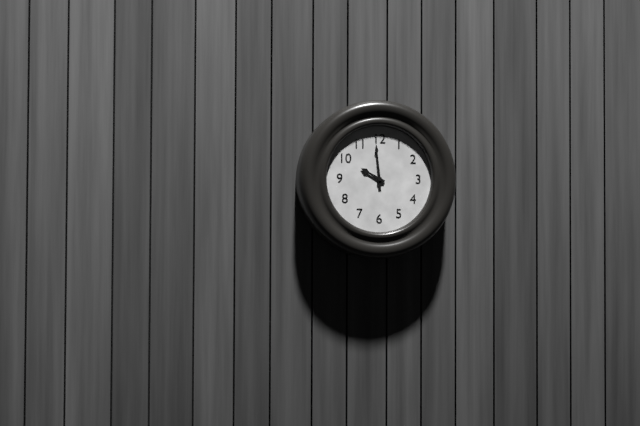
9:59
